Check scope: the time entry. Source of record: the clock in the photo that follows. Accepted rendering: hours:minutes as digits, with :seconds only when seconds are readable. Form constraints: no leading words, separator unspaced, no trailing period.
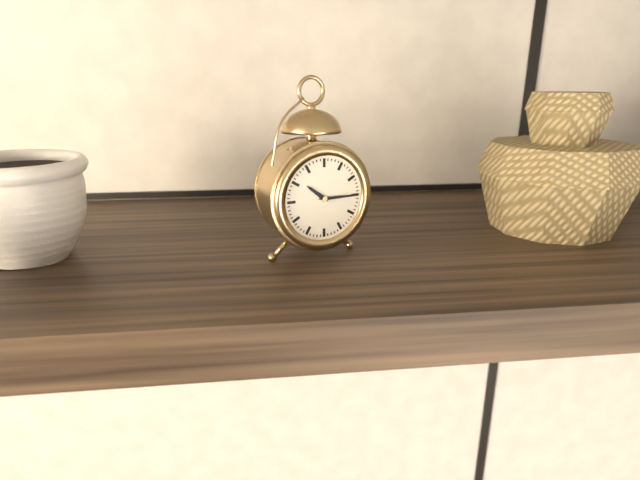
10:15
